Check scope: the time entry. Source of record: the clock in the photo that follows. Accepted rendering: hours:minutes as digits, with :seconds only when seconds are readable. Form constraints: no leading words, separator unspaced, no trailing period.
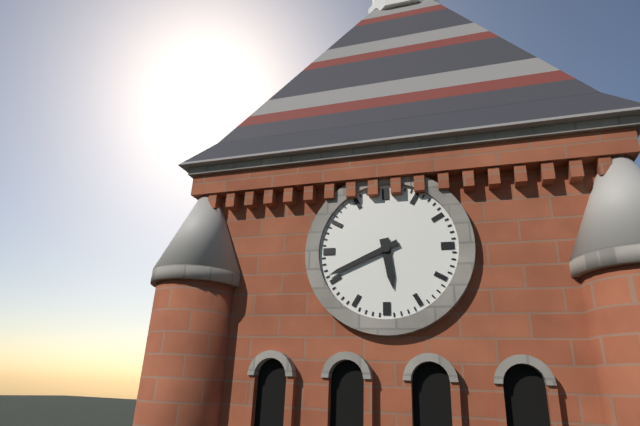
5:41
